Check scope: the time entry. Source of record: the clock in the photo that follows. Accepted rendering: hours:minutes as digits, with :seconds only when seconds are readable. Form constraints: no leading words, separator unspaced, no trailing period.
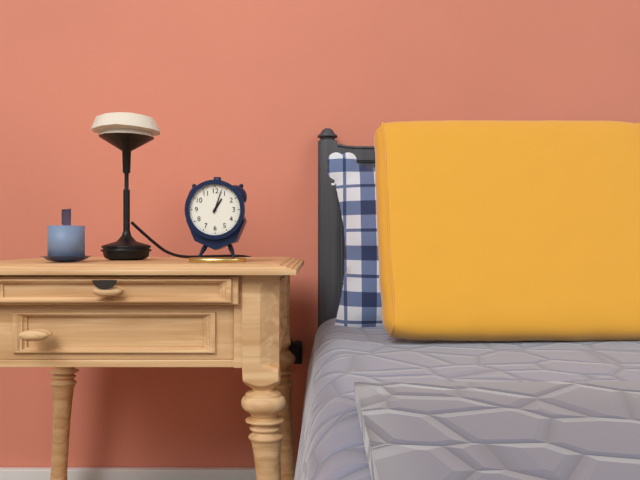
1:03
